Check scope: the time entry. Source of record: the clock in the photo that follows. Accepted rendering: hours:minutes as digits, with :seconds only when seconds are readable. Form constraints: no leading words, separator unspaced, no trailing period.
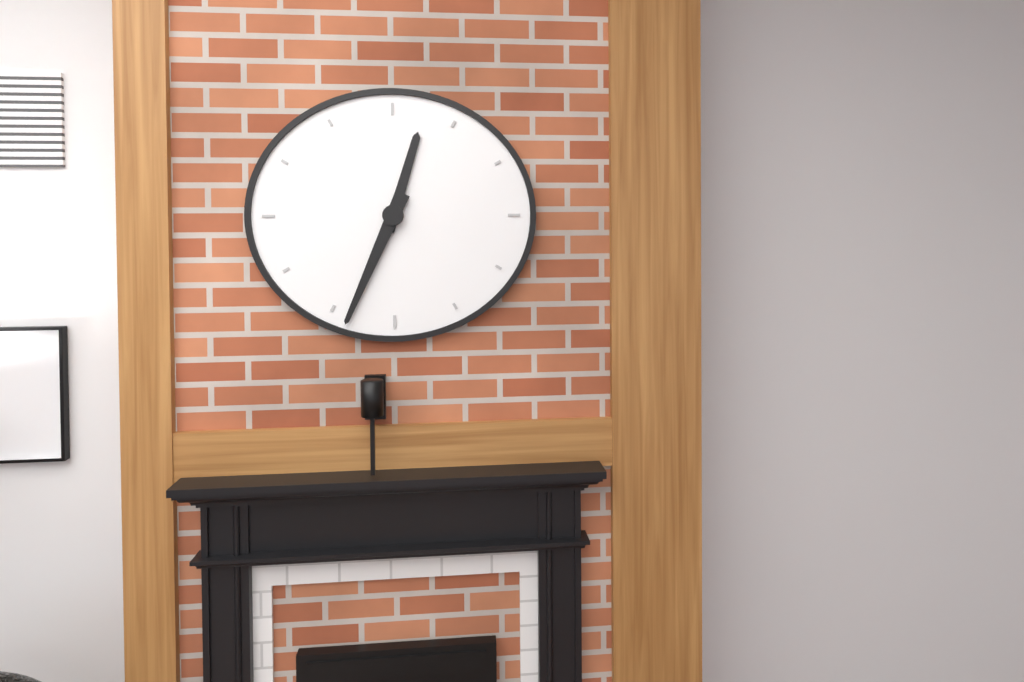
12:34
